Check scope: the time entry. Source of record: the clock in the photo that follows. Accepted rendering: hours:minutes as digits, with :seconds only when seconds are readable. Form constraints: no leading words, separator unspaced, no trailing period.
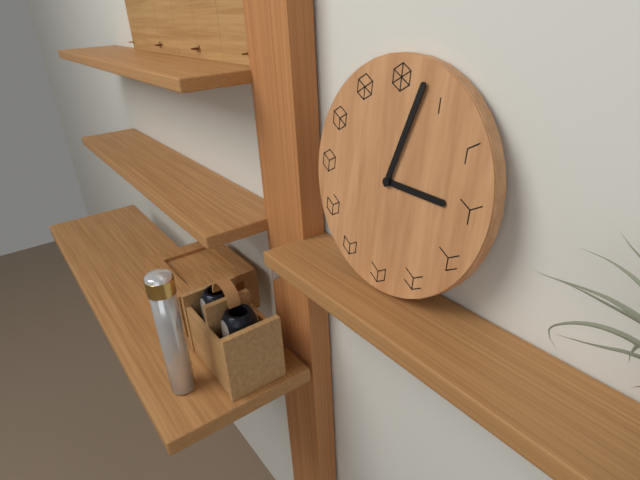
3:03
